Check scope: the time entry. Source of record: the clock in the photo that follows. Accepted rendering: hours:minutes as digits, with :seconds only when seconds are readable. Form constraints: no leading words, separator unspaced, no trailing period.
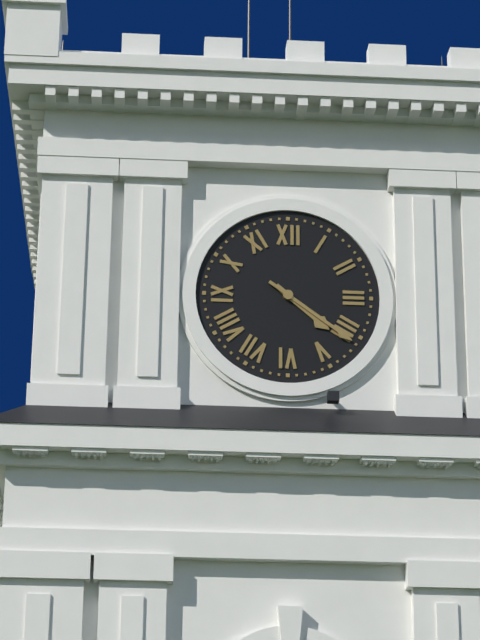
4:21
